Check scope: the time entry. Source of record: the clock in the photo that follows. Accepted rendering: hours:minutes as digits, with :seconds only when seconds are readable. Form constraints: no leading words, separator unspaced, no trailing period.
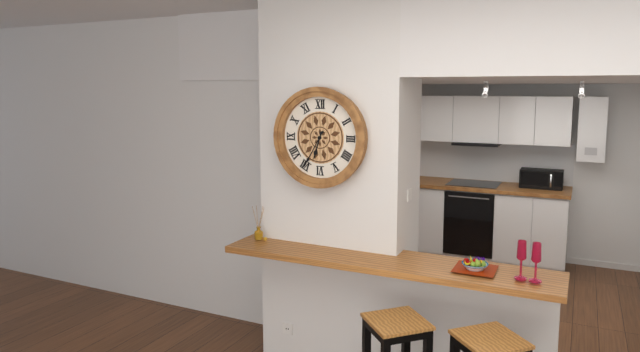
6:35
